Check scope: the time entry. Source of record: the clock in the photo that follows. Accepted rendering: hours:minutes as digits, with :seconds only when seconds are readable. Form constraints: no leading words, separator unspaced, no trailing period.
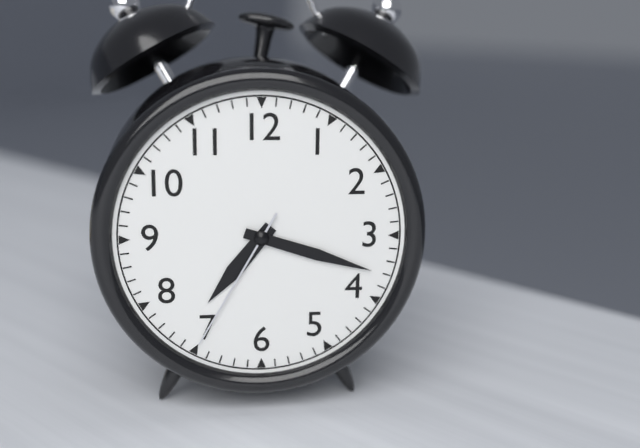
7:18:35
